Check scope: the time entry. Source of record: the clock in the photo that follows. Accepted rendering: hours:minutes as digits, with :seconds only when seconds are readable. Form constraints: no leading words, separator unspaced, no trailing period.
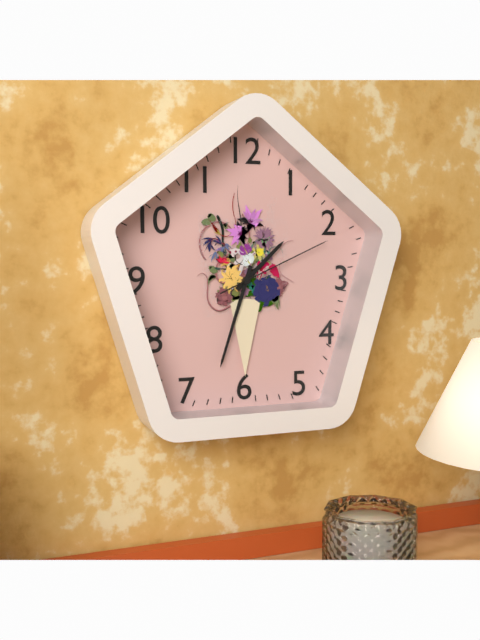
1:33:11
